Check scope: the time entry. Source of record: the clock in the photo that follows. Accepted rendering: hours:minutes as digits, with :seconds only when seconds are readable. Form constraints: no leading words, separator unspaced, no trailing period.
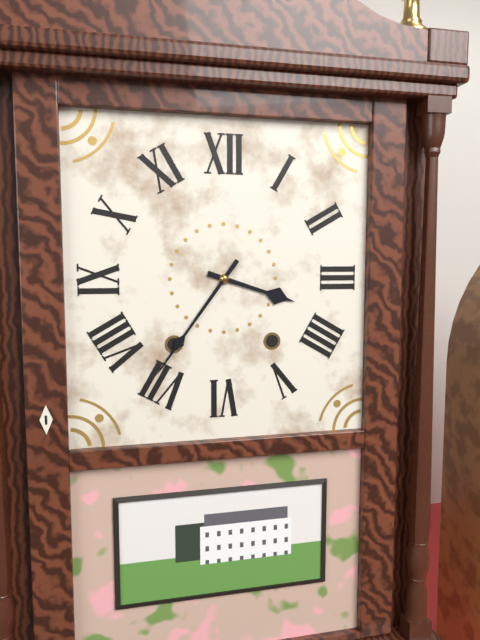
3:36
